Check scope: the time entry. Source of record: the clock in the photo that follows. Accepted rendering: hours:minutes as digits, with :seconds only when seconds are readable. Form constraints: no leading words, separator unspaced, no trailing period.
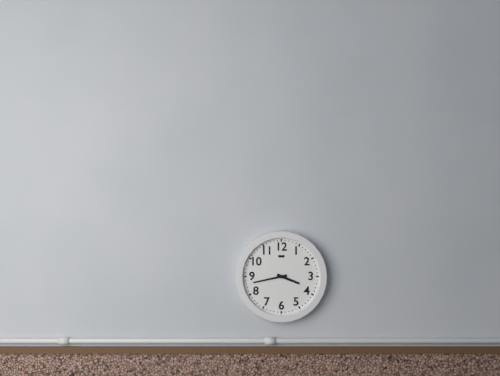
3:43
